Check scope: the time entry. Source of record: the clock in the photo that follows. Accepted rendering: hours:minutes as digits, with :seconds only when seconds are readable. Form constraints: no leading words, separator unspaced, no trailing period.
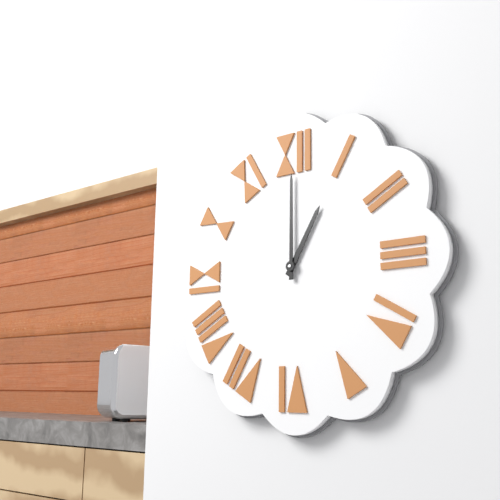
1:00
